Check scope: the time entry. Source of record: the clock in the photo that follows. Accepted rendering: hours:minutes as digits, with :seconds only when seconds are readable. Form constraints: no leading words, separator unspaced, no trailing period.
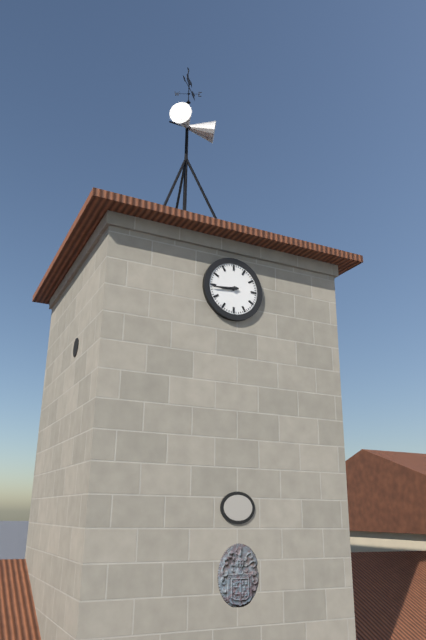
8:44
